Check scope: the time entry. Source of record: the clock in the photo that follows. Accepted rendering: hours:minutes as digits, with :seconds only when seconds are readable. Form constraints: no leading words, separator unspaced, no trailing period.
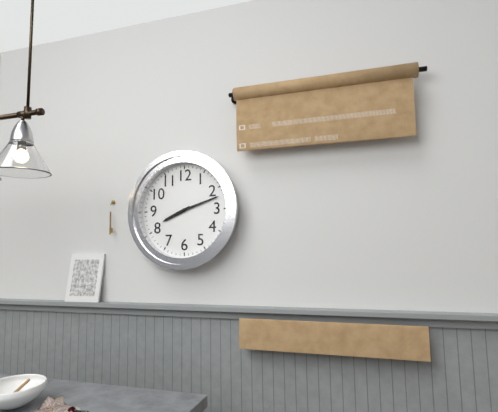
8:12
